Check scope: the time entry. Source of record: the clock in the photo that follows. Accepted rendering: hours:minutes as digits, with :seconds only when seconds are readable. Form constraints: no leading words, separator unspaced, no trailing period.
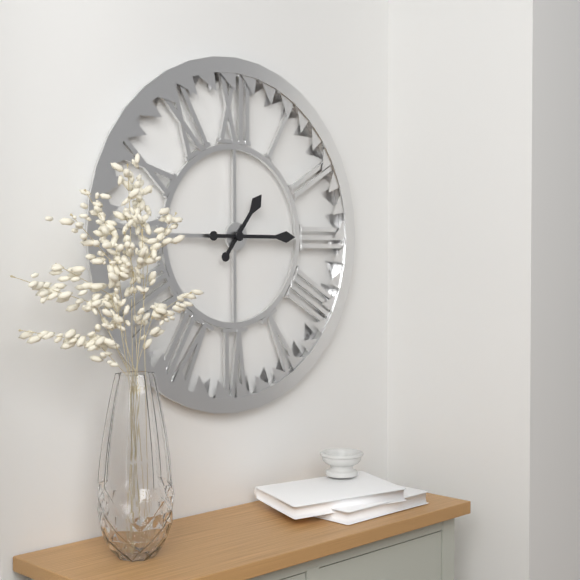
1:15
